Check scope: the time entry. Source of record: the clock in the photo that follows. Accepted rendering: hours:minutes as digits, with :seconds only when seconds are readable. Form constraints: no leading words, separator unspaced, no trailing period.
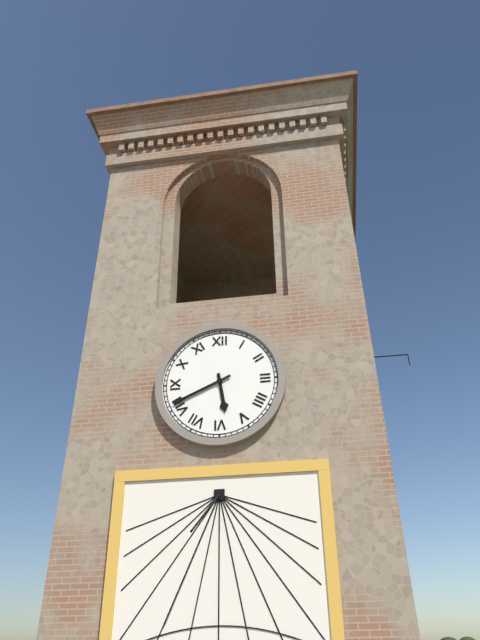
5:41
